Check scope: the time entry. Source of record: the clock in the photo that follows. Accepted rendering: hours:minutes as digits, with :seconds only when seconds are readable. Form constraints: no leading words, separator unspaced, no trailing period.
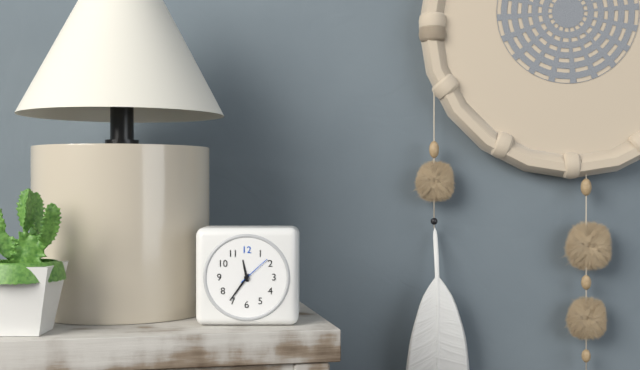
11:36
